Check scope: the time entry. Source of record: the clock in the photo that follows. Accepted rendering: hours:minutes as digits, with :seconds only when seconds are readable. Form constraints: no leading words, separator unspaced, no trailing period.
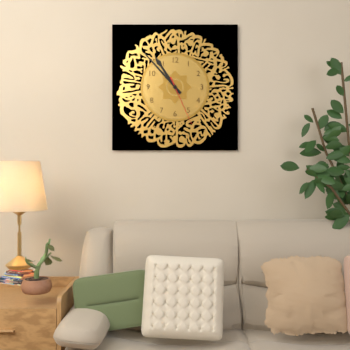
10:53:26
